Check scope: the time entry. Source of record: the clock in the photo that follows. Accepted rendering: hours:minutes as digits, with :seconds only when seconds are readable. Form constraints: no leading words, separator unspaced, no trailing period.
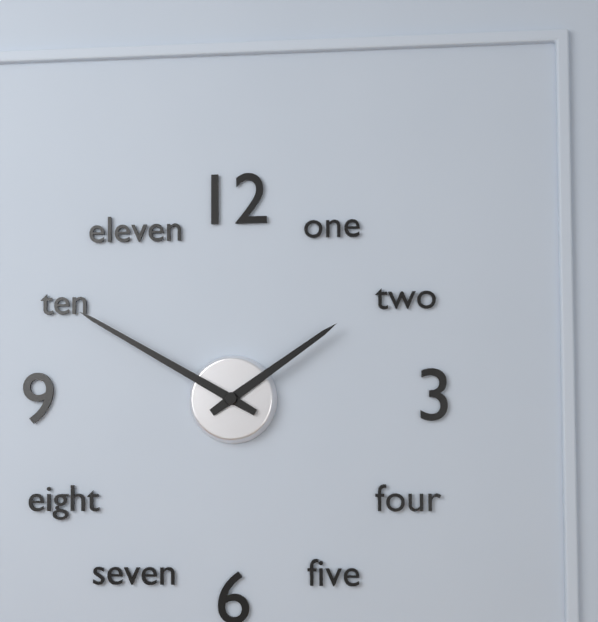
1:50
